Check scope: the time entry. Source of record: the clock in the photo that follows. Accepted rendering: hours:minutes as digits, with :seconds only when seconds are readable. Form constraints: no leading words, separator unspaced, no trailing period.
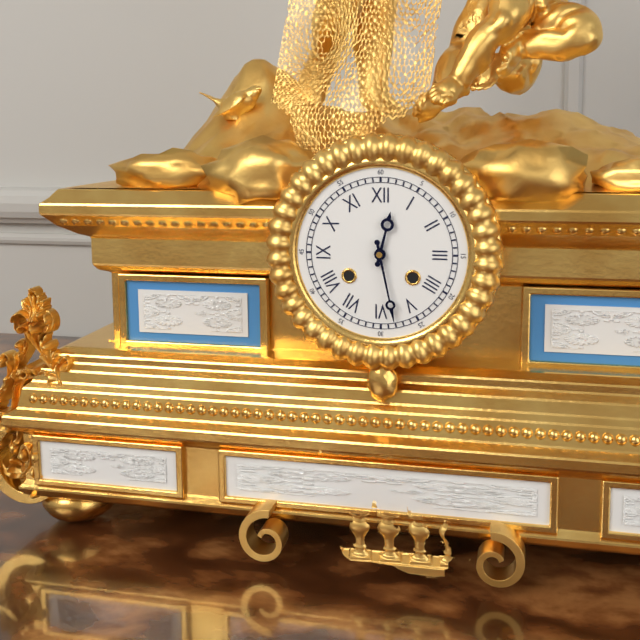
12:28
